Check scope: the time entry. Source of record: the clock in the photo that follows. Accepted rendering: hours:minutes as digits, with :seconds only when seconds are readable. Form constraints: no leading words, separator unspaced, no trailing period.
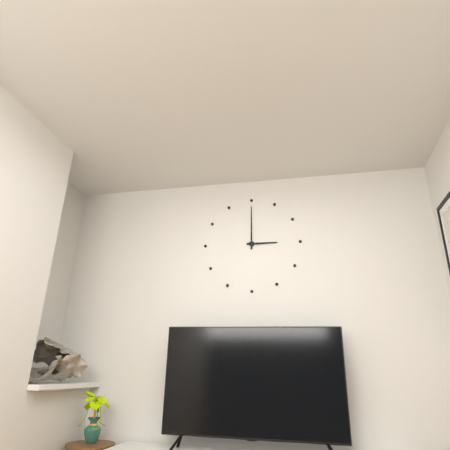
3:00
